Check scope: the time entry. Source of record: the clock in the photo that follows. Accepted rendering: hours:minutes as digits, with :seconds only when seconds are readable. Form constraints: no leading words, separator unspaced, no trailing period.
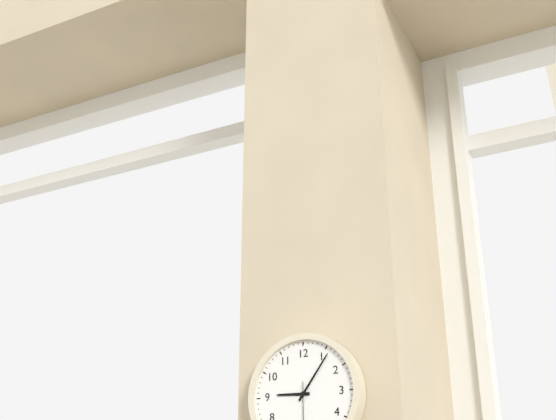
9:06
